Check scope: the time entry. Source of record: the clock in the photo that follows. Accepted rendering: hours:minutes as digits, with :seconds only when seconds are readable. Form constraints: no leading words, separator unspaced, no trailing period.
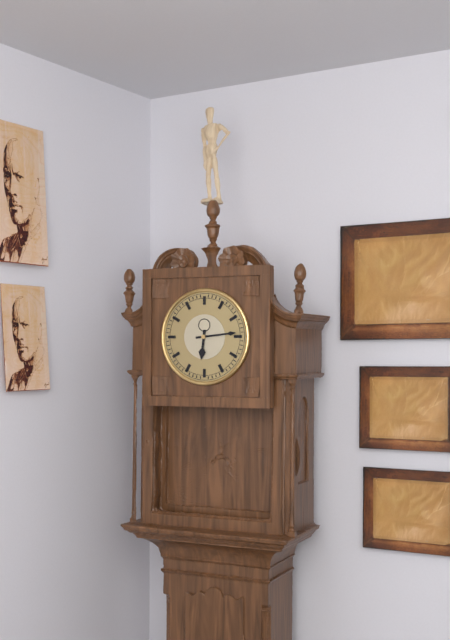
6:14
